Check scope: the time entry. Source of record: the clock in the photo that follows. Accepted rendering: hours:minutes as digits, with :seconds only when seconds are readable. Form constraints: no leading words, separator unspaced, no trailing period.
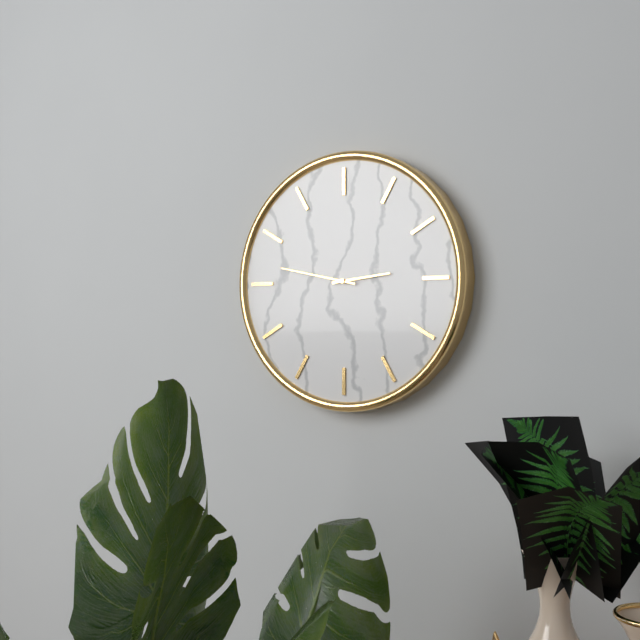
2:47
